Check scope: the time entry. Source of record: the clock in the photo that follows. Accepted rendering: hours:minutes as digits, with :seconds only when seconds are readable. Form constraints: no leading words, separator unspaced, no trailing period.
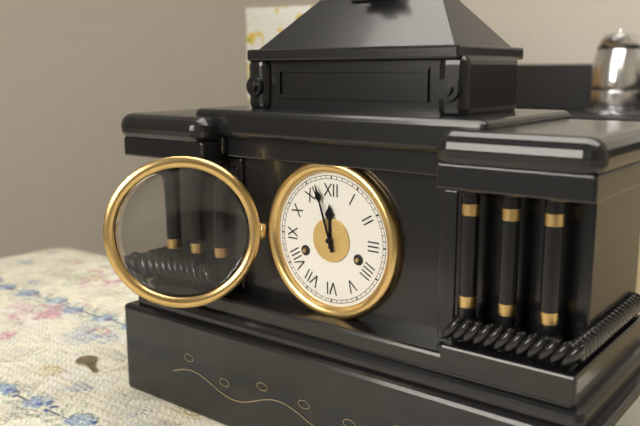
11:57
